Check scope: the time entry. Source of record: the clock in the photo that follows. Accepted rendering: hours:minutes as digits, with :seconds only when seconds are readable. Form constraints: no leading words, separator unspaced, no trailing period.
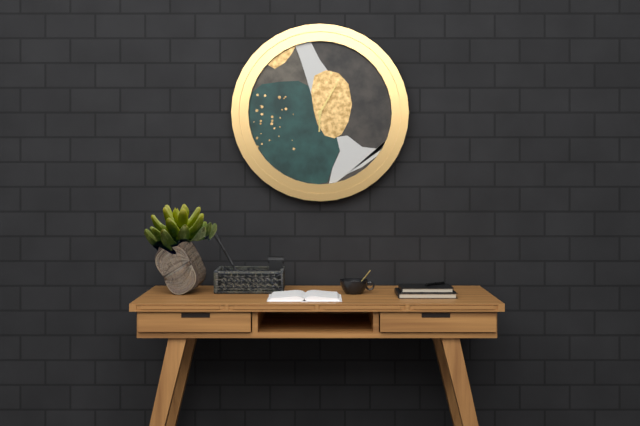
6:05
